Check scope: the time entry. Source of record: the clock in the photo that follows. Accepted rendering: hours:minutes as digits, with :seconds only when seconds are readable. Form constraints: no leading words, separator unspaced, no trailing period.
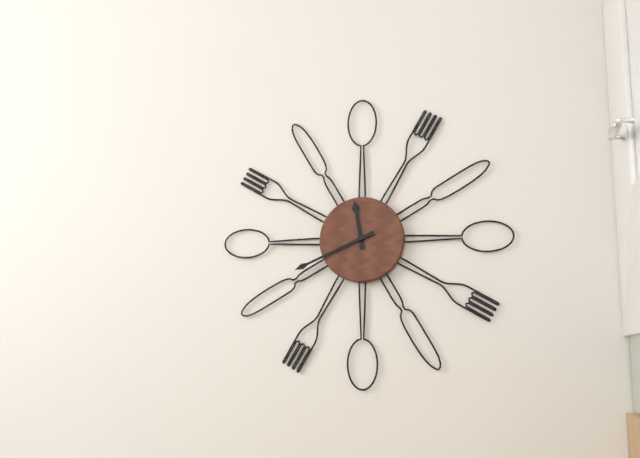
11:41
